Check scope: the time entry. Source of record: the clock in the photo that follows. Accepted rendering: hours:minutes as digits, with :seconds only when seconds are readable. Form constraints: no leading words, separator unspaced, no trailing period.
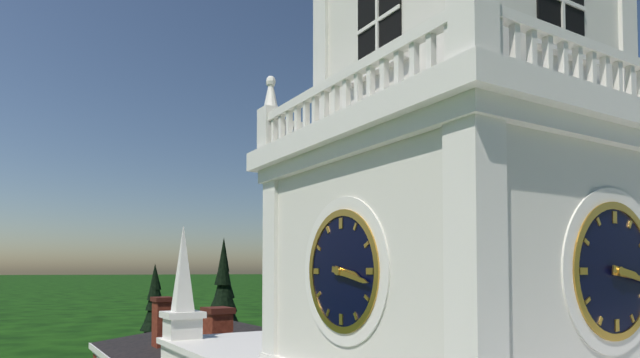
3:17
